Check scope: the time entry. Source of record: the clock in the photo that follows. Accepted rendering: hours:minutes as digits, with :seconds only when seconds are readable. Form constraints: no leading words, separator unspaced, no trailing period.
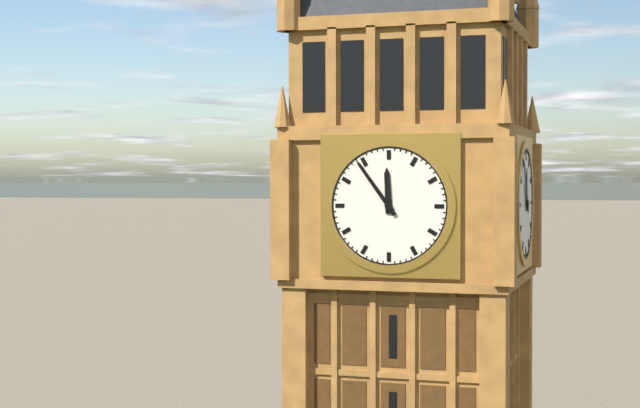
11:54
